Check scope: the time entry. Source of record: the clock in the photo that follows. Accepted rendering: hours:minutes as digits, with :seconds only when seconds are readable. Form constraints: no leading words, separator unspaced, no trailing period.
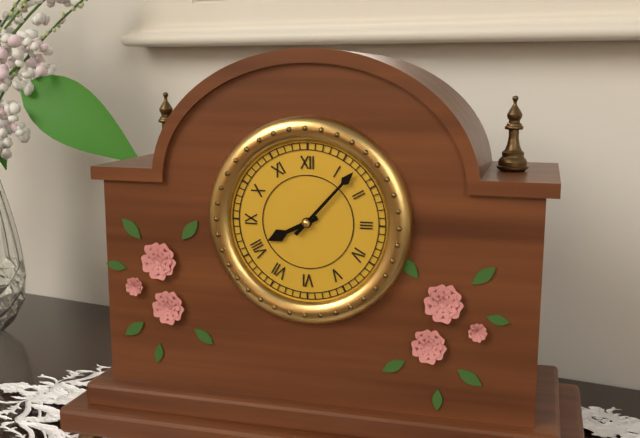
8:07
